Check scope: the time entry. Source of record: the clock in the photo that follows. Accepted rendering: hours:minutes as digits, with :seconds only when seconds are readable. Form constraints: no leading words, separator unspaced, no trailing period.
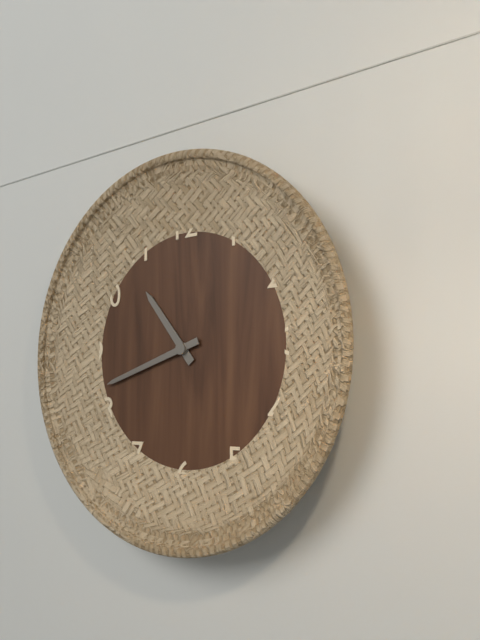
10:42
